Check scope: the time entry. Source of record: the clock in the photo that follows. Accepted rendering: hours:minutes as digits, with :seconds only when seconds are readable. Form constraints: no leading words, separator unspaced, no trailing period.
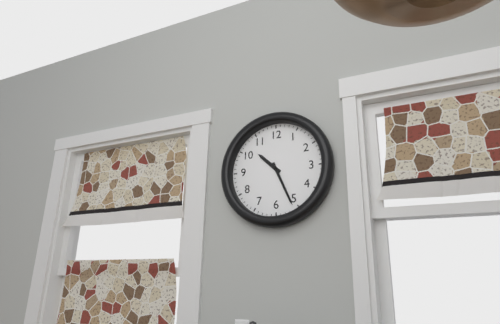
10:26
